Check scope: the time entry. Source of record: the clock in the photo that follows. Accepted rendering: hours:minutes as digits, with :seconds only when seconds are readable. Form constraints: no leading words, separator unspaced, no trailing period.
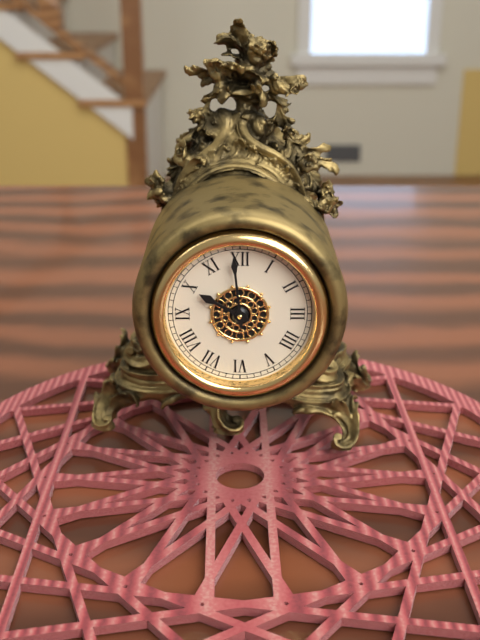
9:59
